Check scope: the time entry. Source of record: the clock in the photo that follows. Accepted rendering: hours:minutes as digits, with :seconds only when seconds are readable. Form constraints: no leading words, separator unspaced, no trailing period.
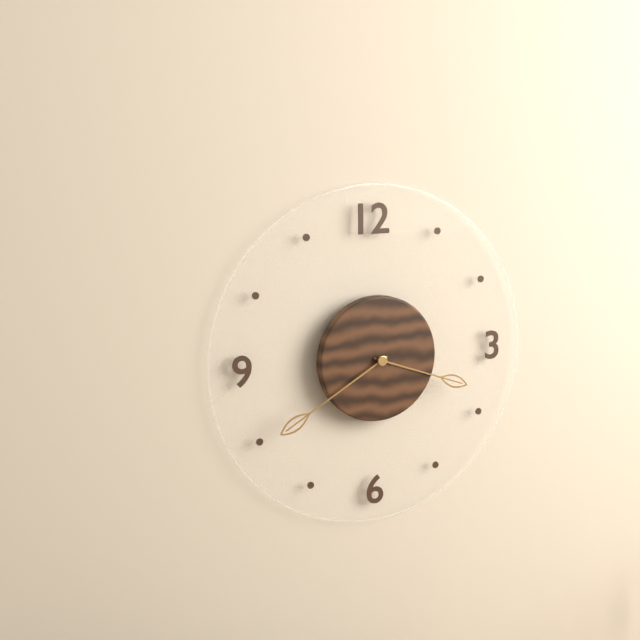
3:40
